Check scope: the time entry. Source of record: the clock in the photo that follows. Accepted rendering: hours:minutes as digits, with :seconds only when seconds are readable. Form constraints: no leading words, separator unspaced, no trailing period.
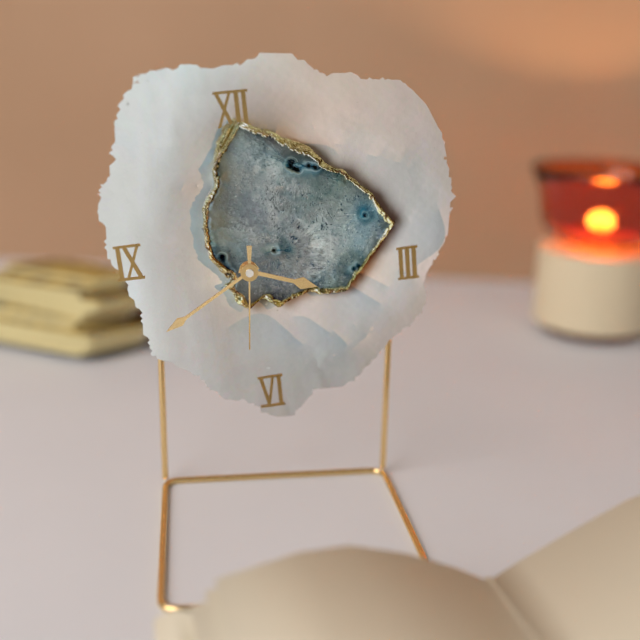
3:40:31
